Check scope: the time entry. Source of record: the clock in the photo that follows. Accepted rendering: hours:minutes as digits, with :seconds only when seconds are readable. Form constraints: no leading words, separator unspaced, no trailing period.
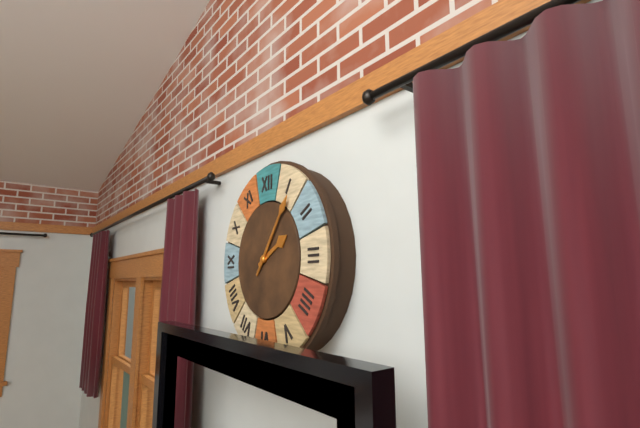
2:06
